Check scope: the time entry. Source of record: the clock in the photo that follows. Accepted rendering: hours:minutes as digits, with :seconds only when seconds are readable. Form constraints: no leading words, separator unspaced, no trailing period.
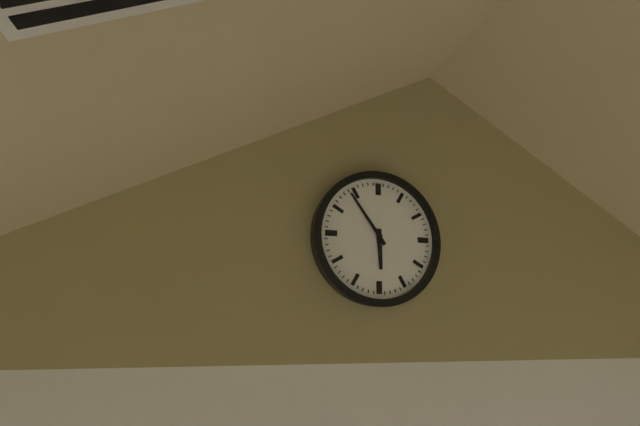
5:54
